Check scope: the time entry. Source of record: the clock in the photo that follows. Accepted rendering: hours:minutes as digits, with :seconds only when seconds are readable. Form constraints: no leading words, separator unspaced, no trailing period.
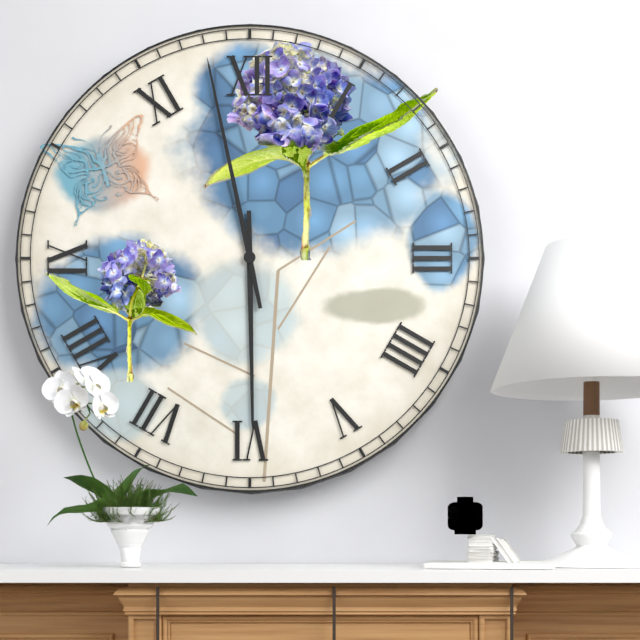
5:58
